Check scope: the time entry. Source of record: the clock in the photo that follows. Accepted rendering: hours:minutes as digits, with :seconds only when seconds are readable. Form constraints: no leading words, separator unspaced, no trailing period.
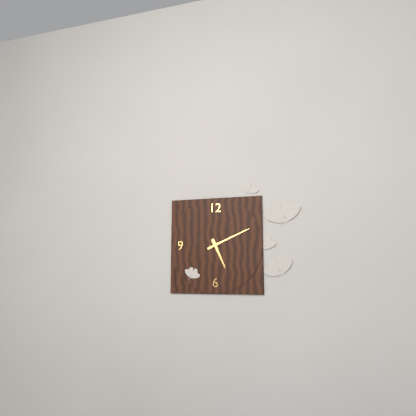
5:11
